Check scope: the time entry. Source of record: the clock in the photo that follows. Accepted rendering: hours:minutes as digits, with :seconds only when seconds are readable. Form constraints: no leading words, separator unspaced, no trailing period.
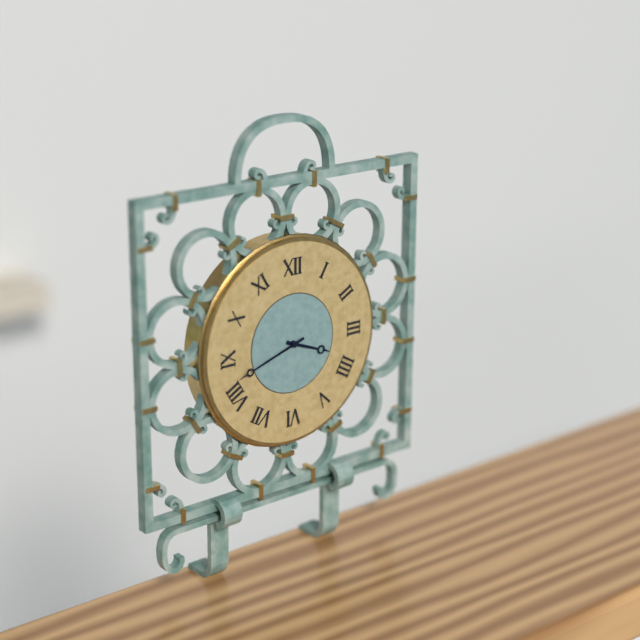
3:42
